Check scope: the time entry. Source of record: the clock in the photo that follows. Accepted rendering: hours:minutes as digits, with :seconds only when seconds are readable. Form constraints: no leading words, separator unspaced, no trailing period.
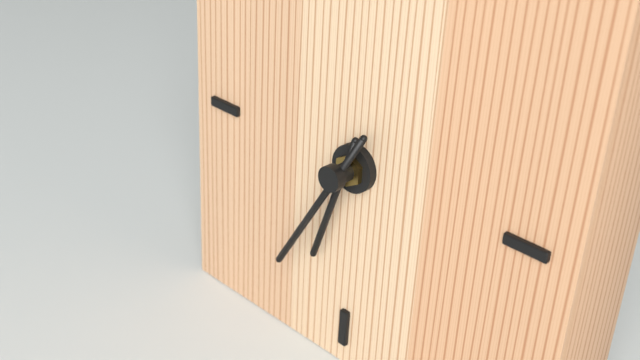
6:35
